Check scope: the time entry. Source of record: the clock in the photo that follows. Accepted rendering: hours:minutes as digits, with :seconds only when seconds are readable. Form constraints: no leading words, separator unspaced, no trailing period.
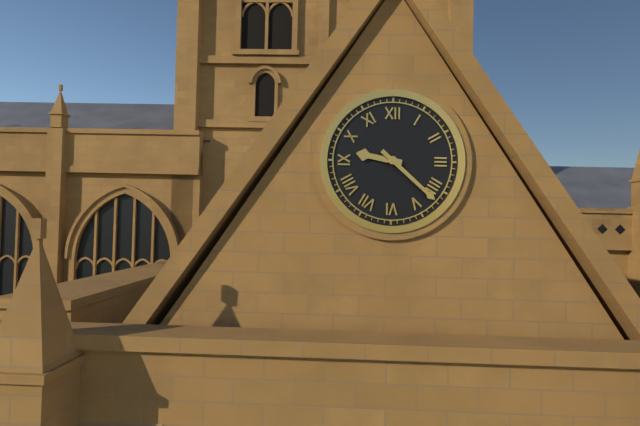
9:22
